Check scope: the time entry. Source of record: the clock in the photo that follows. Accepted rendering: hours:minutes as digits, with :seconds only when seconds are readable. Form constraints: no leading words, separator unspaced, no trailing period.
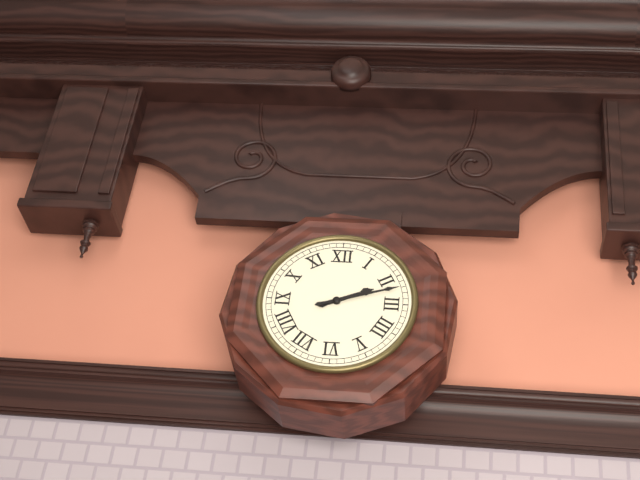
2:12
